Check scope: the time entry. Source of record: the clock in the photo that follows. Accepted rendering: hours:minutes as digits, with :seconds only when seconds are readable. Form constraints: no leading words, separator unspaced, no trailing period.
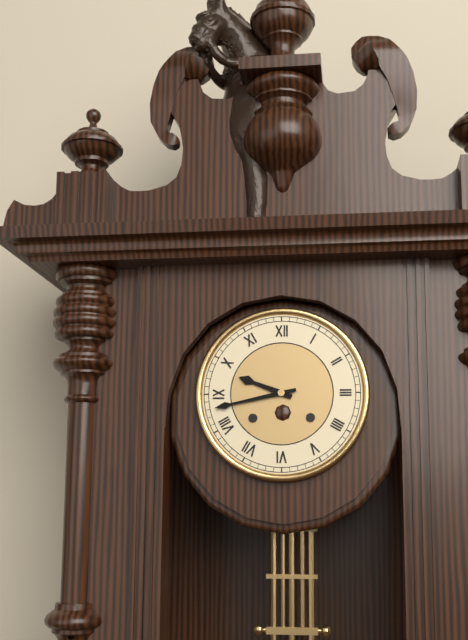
9:43
